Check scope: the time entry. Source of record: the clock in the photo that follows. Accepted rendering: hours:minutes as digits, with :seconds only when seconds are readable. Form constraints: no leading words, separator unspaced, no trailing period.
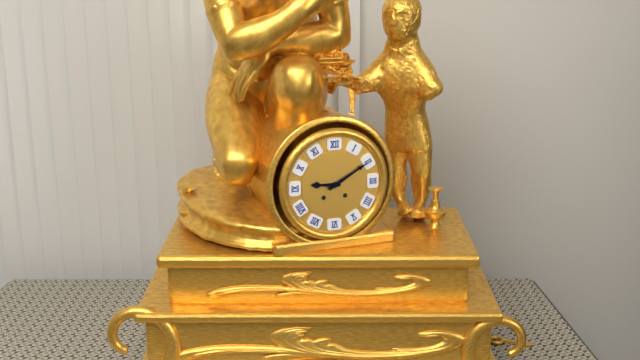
9:10
